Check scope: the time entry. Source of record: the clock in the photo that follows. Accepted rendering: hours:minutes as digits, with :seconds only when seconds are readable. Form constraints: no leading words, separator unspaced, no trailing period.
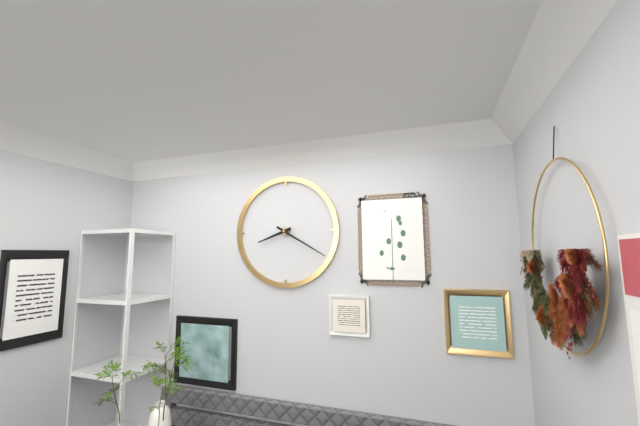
8:20
